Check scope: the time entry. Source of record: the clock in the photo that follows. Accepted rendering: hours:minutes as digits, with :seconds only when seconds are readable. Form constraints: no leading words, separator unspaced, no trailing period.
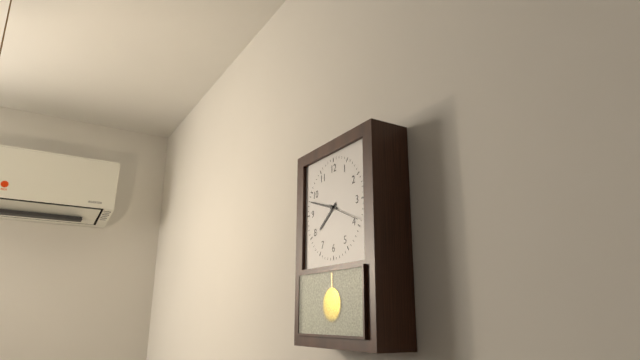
7:48
